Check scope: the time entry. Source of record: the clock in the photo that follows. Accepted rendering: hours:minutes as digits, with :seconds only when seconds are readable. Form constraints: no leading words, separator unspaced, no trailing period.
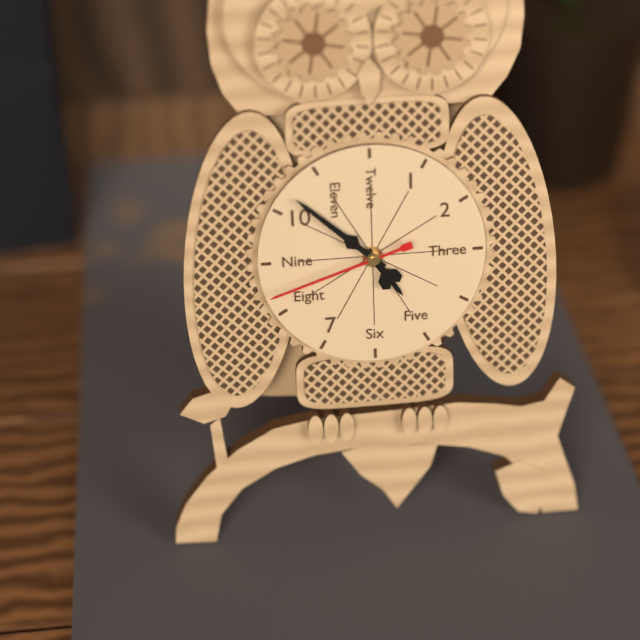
4:52:42
